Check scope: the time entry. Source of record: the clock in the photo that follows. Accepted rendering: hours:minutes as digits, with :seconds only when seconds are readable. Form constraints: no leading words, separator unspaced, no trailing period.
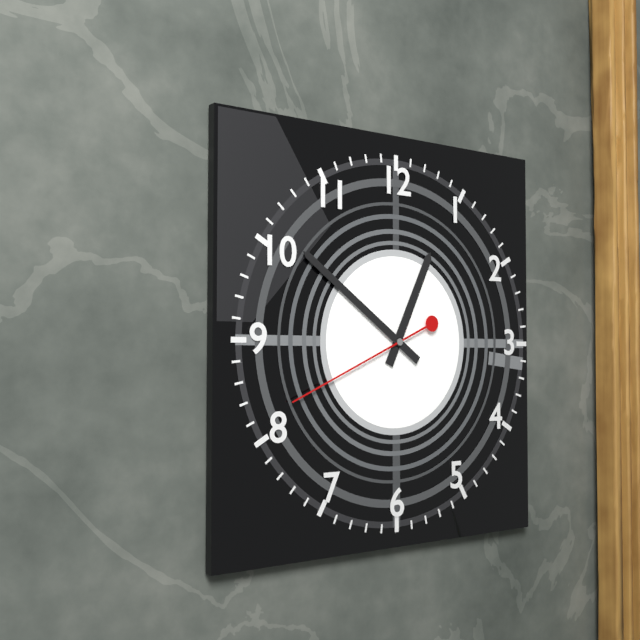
12:51:41
